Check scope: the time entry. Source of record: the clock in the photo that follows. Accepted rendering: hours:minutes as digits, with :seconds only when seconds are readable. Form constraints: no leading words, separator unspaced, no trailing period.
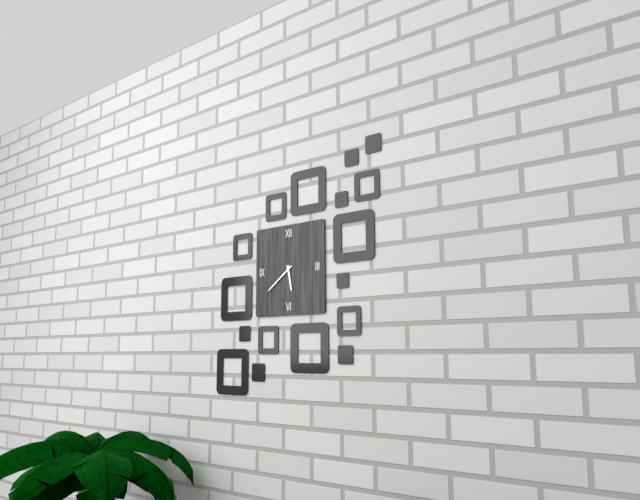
5:39
